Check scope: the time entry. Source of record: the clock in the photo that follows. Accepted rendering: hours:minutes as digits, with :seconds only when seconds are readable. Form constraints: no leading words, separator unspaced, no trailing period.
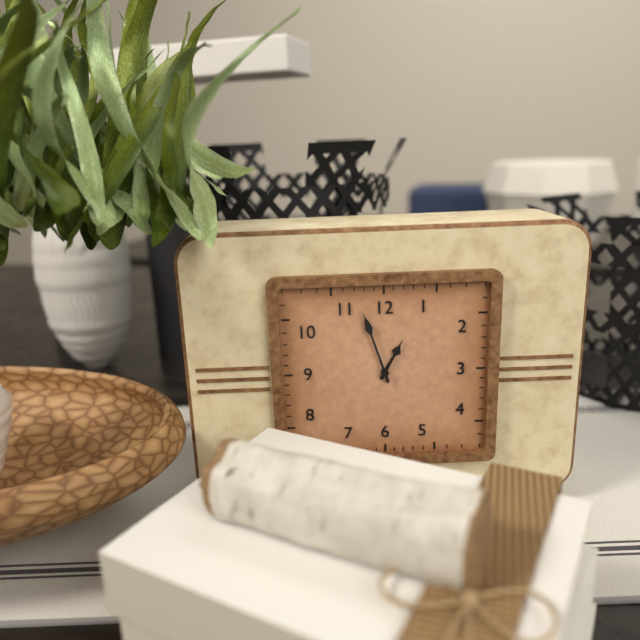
12:57
